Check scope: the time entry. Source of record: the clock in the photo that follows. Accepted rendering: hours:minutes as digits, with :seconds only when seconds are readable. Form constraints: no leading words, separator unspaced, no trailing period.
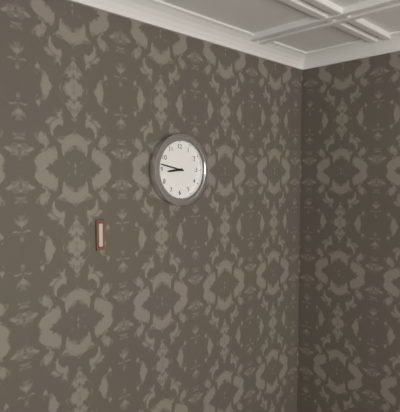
8:47
